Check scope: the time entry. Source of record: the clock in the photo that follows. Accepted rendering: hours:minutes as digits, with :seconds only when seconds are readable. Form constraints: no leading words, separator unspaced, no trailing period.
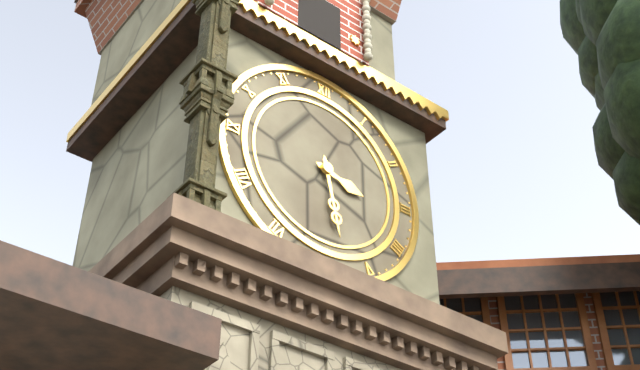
3:28
